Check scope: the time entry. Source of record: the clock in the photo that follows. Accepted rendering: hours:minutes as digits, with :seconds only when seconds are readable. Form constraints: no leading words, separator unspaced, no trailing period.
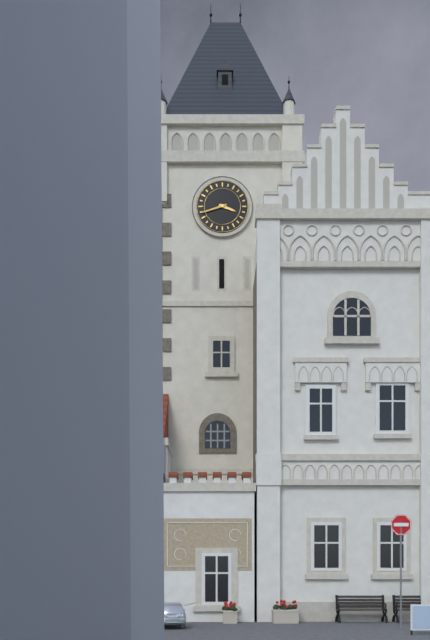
3:42
